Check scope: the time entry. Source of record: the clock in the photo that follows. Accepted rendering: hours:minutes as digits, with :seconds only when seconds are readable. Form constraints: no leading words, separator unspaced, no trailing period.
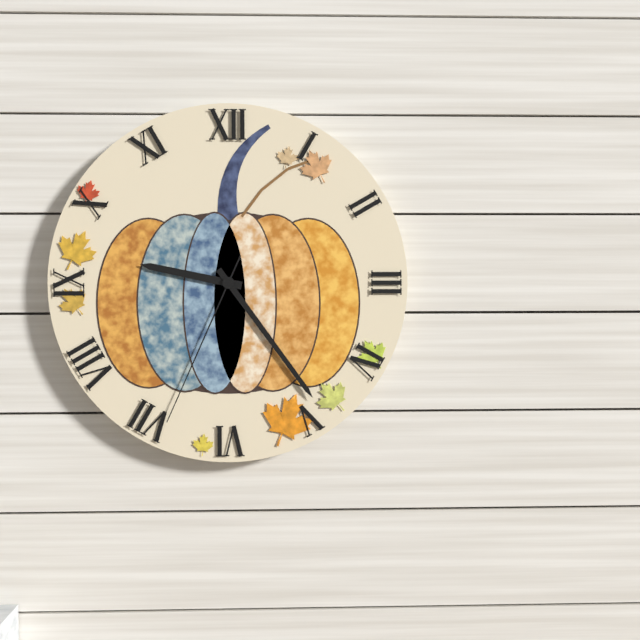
9:24:34
